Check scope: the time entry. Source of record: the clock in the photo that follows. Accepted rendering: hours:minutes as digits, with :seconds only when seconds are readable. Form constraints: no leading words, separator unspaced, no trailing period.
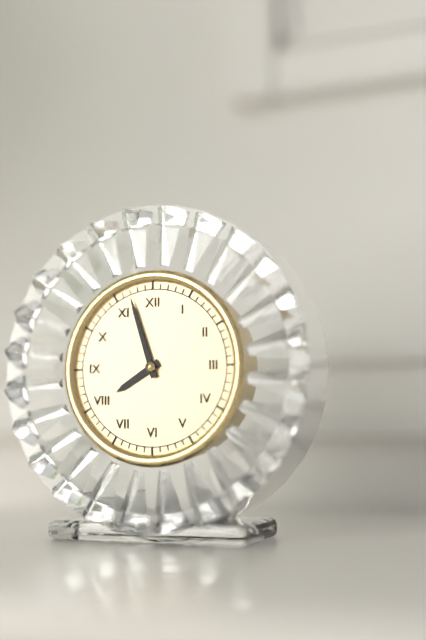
7:57
